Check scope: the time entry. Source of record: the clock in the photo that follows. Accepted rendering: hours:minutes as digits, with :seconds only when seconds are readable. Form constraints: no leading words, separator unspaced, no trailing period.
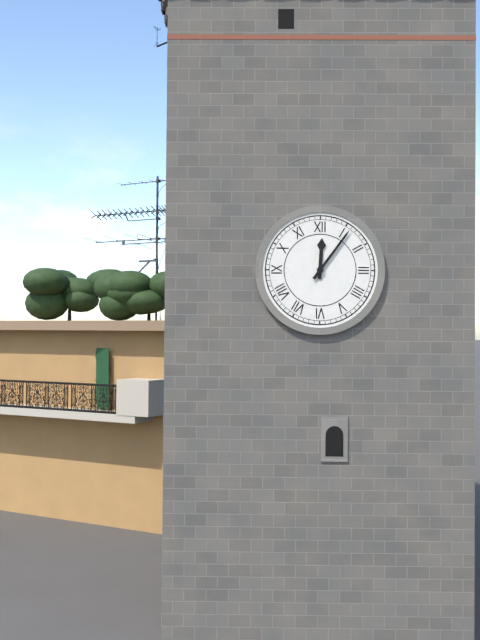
12:06
